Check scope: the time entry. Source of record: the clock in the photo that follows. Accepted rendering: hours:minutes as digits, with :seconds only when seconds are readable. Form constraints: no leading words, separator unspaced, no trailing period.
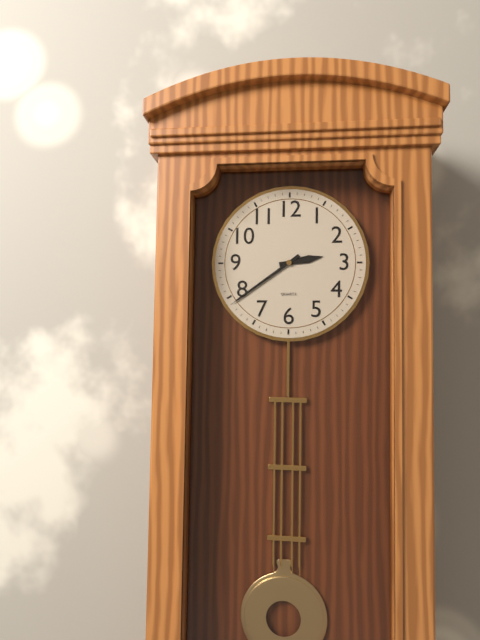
2:39
